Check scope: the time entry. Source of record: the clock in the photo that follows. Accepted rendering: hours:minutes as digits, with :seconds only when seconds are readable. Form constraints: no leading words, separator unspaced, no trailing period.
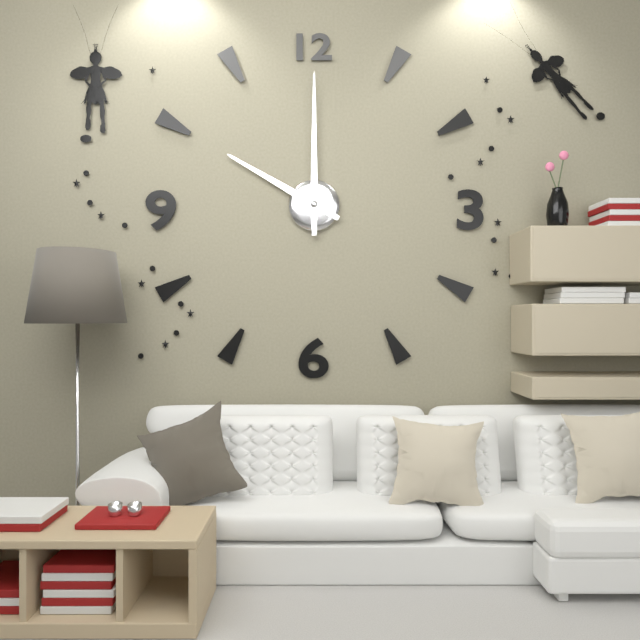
10:00
